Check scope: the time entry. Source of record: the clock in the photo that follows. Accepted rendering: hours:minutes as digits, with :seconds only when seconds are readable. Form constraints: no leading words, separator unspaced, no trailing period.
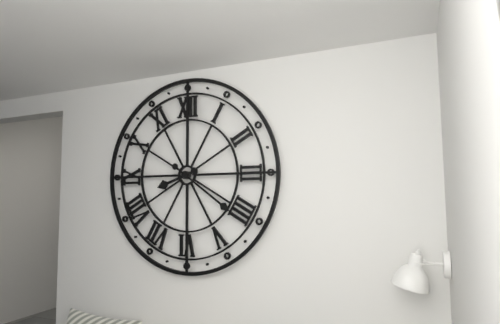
8:21
